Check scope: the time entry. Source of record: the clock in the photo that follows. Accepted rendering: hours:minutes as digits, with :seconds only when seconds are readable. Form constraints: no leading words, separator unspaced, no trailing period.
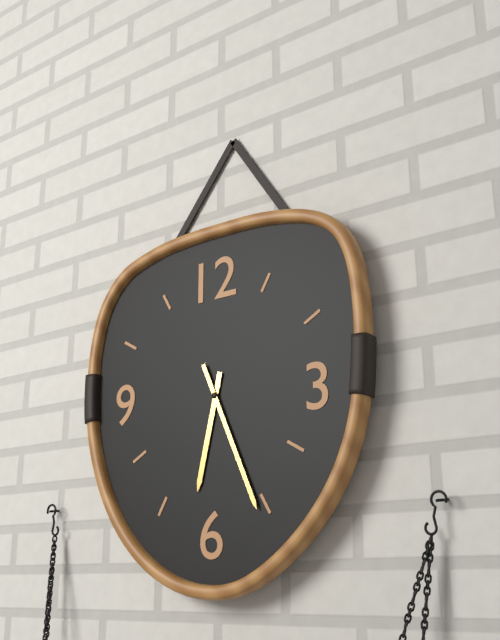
6:26
